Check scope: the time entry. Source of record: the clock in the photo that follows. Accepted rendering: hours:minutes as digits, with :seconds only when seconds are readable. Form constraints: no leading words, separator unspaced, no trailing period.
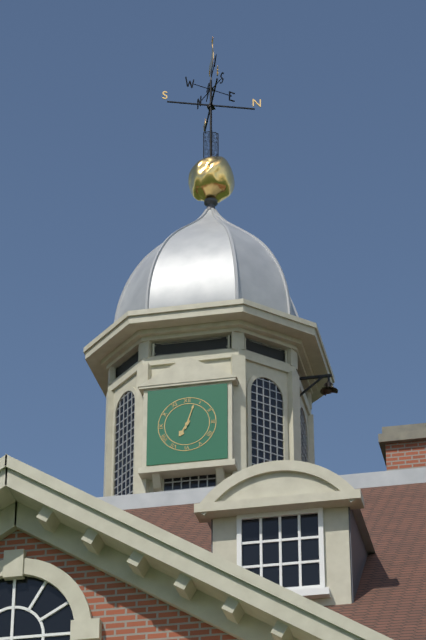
7:03
